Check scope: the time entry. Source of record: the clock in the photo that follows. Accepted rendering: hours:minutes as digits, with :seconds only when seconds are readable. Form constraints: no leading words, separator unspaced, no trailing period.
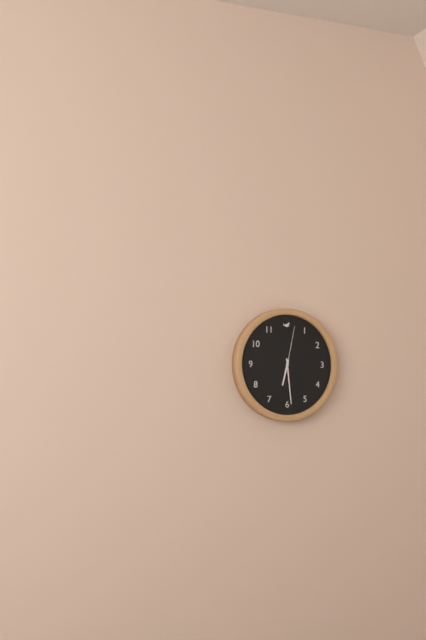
6:29:02
